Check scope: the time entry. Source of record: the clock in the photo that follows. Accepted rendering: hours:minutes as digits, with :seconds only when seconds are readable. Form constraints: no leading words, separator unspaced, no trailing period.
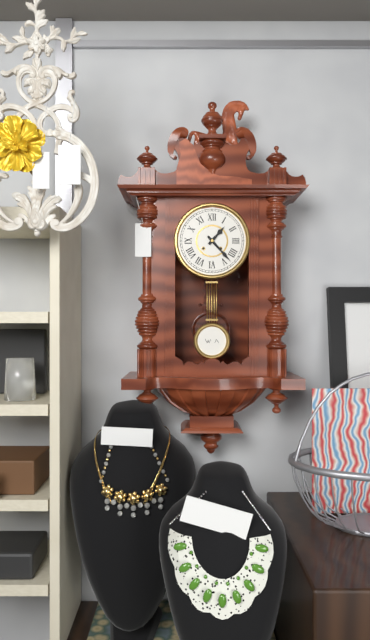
1:23
